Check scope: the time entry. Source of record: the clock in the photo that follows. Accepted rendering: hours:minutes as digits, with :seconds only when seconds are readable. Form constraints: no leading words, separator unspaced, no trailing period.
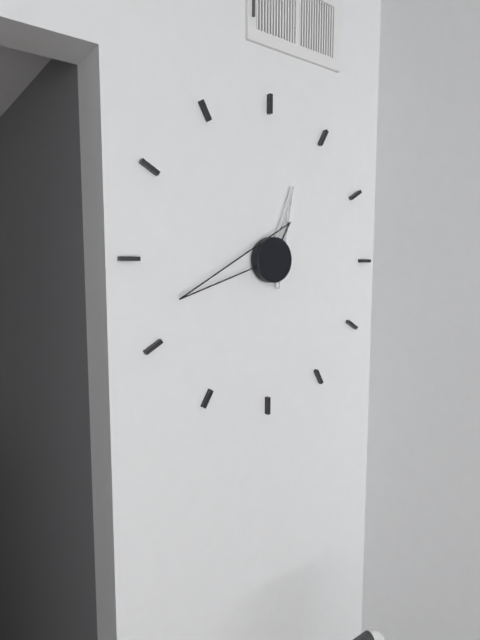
12:42
